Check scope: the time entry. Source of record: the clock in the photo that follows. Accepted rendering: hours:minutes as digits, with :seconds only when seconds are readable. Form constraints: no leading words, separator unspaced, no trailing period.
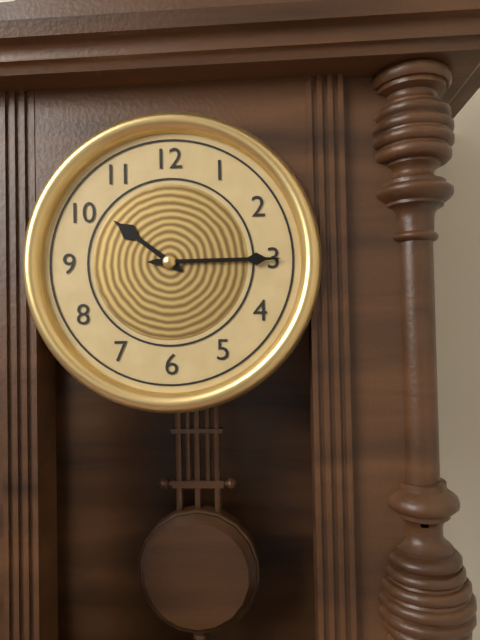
10:15
